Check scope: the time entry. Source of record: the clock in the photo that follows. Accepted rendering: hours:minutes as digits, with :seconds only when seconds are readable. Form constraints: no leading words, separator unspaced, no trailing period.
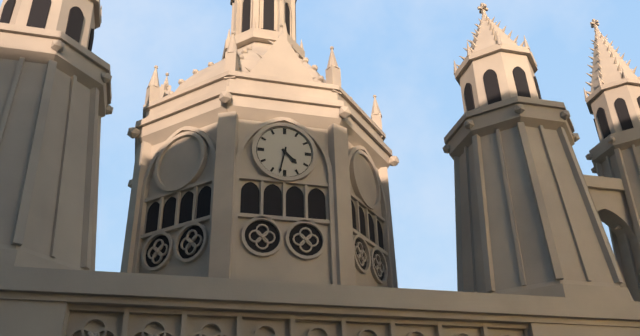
4:32
